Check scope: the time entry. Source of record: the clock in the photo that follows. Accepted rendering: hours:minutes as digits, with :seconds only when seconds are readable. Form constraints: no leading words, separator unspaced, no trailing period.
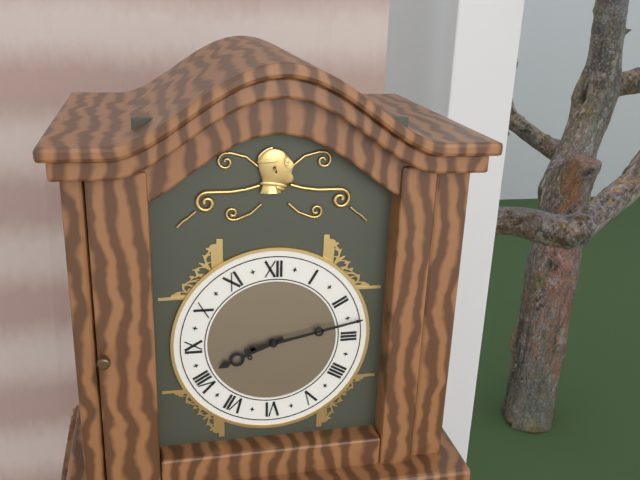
8:13
